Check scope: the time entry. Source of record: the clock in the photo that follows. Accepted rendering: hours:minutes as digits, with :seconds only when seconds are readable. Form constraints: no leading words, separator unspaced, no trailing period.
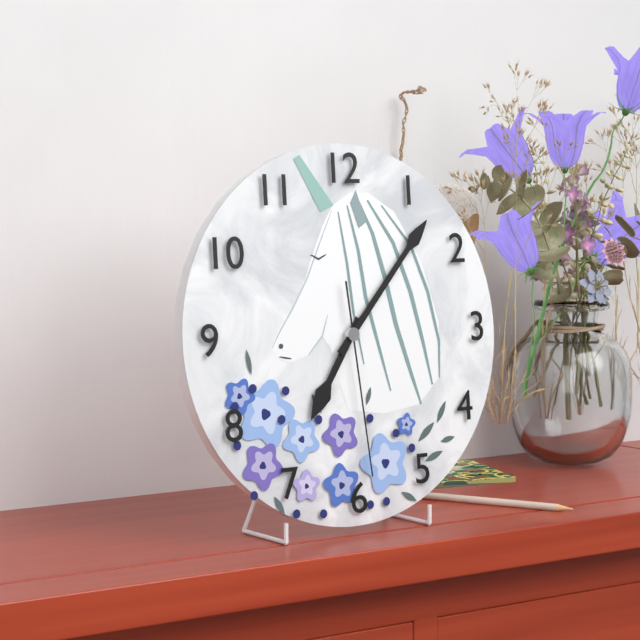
7:07:29
